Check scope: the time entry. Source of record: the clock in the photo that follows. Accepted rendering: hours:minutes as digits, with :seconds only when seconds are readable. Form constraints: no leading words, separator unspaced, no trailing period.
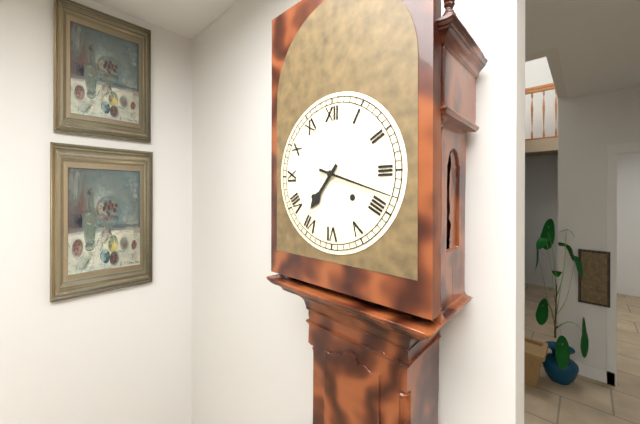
7:18
